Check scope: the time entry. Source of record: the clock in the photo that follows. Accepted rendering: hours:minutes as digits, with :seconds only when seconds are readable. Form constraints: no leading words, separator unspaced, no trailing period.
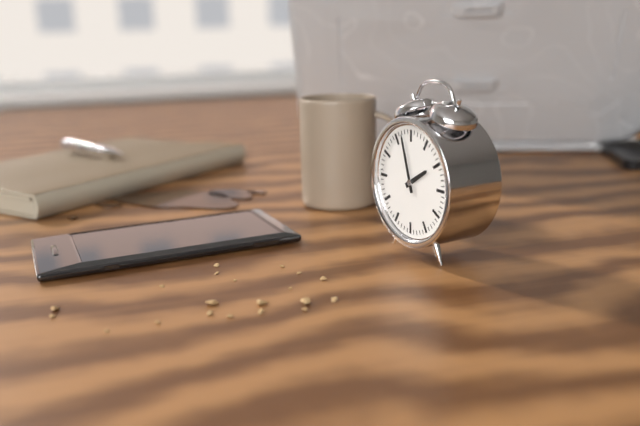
1:57
